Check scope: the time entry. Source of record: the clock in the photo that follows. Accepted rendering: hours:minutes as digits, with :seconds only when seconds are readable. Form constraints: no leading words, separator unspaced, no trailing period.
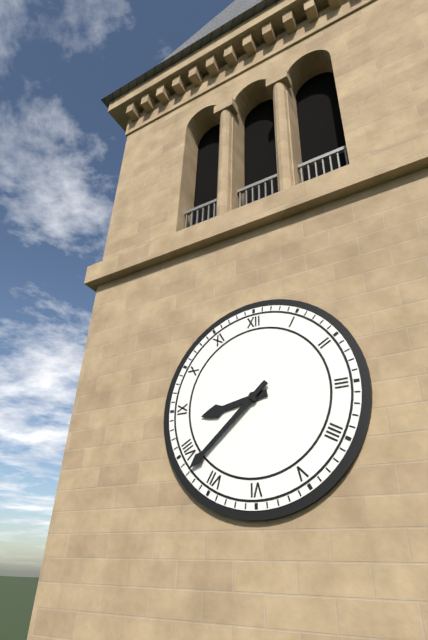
8:38
